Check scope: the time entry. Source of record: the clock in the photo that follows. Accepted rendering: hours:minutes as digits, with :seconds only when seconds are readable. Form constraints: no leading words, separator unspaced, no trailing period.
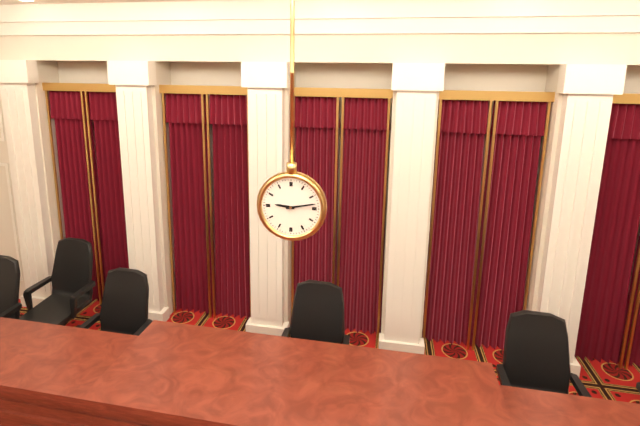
9:13
